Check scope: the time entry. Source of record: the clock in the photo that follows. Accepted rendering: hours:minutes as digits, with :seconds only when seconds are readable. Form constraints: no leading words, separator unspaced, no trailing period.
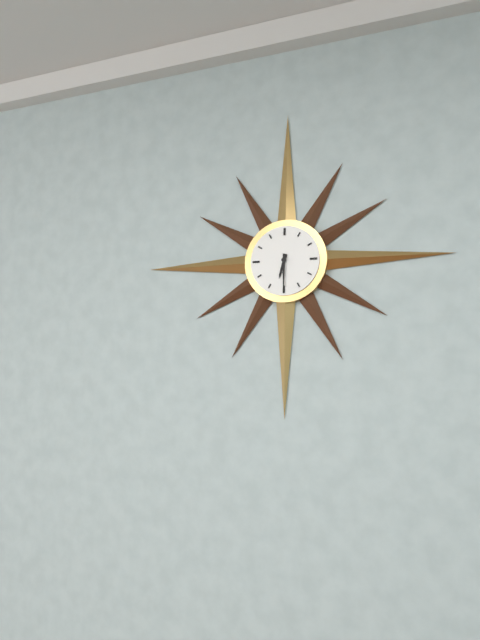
6:30
